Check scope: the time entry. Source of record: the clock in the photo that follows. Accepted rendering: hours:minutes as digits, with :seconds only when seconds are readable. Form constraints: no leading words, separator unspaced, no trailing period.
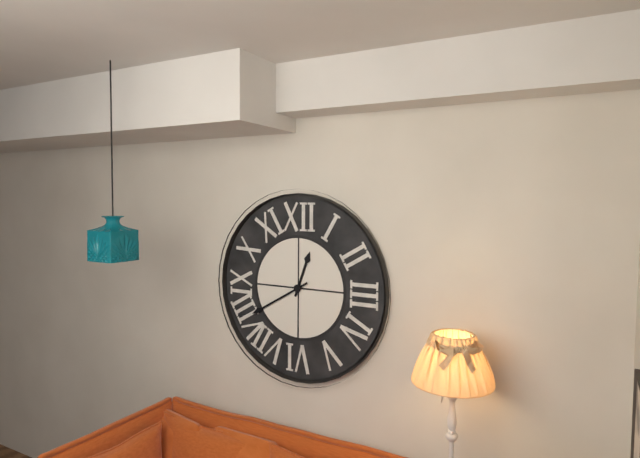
12:40
